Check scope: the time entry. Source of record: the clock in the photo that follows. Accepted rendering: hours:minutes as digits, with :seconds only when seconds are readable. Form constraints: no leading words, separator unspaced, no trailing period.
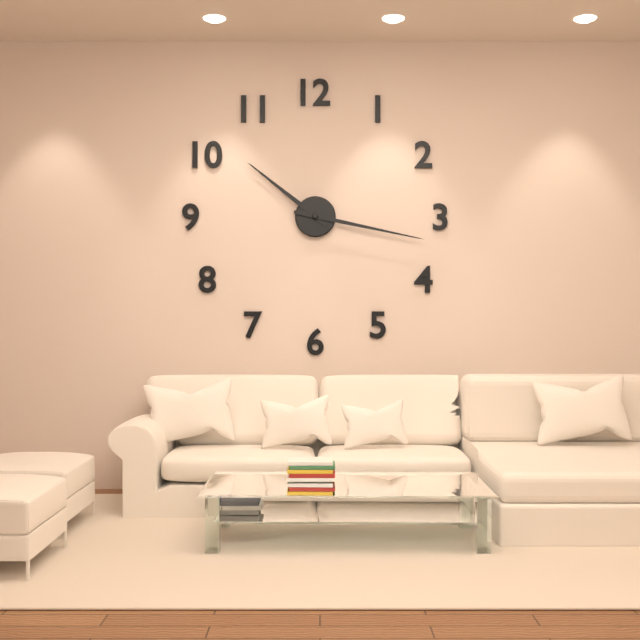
10:17
